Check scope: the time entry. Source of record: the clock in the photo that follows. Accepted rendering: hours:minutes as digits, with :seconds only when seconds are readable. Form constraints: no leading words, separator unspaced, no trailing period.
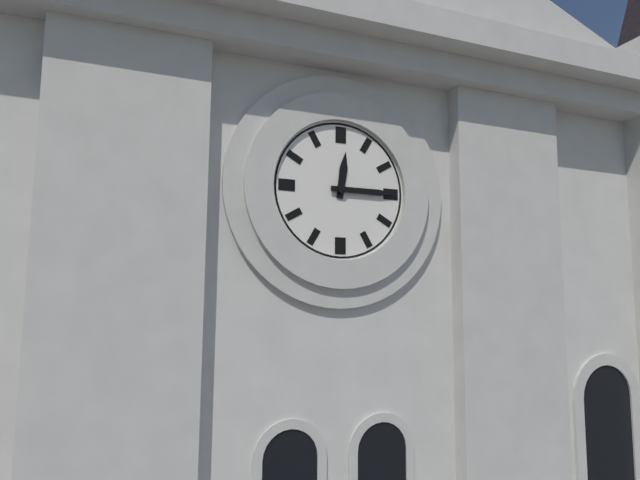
12:15
